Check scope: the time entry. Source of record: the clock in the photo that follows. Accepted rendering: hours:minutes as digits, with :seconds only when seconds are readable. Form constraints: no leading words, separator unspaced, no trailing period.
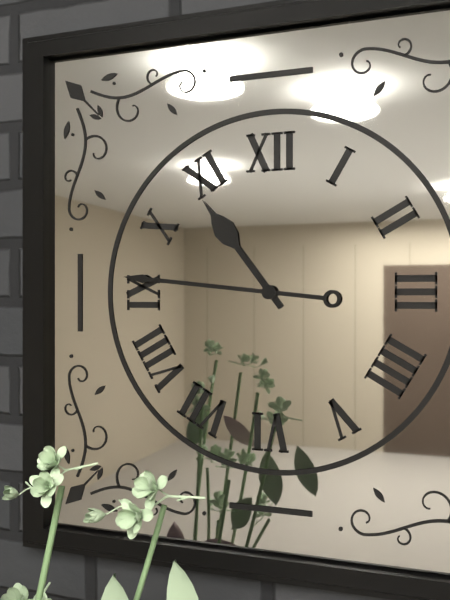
10:46
